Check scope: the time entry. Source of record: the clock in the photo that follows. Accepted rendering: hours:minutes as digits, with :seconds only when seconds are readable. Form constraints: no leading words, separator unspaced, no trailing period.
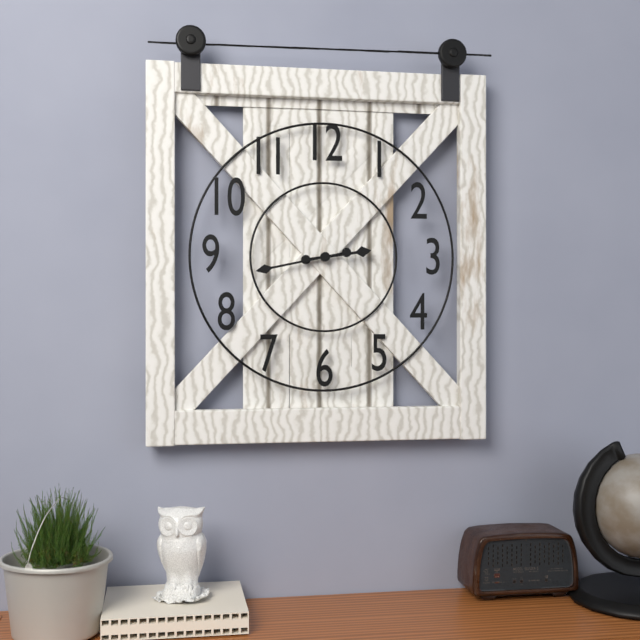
2:43
